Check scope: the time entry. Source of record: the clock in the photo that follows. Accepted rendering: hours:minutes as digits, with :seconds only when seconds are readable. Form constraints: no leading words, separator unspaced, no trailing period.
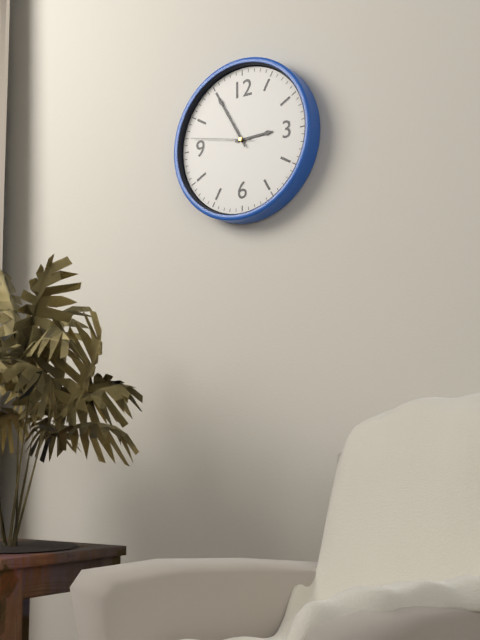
2:55:47
